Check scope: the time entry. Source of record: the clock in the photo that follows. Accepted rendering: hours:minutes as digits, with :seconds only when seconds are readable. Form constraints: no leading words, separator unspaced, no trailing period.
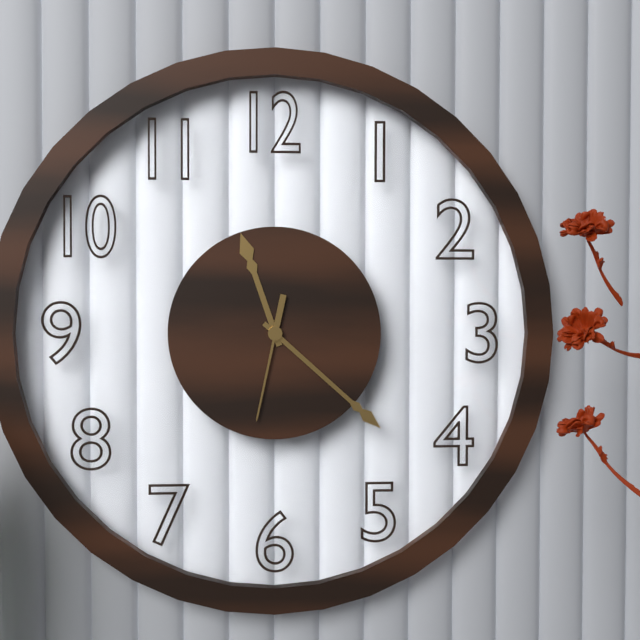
11:22:32
